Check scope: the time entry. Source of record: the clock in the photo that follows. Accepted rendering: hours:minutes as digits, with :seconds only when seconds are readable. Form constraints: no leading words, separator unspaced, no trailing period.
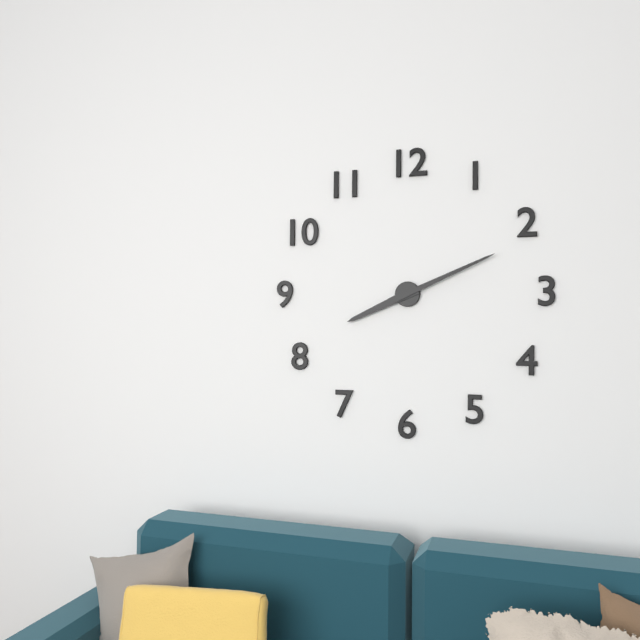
8:11
